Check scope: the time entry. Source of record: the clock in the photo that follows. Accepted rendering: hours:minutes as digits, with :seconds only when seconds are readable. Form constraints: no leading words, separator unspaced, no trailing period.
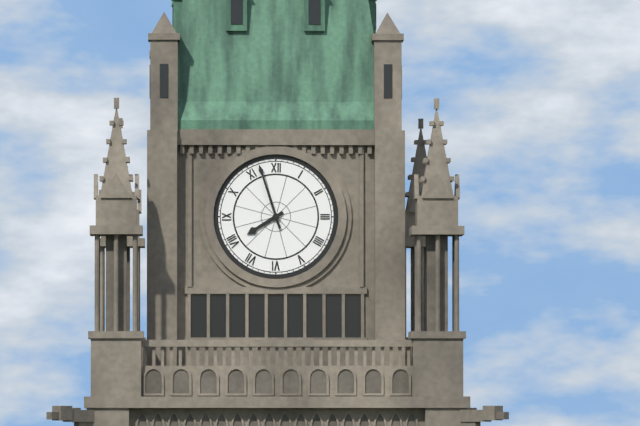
7:57
